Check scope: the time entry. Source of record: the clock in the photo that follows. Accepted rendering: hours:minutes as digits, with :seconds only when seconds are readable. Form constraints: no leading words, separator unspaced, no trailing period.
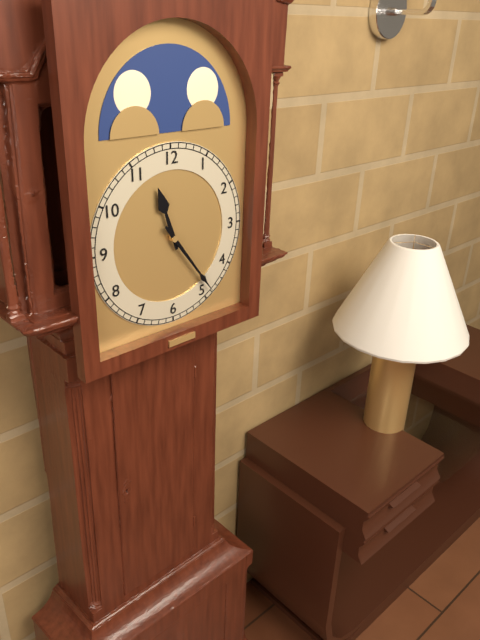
11:24
